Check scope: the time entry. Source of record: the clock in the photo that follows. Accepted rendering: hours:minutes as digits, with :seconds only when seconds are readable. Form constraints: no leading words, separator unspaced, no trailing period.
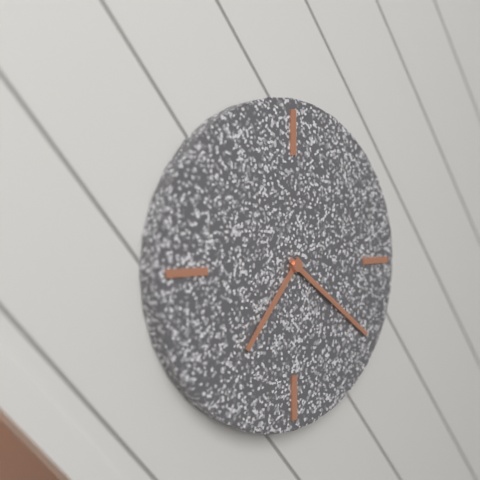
7:21
